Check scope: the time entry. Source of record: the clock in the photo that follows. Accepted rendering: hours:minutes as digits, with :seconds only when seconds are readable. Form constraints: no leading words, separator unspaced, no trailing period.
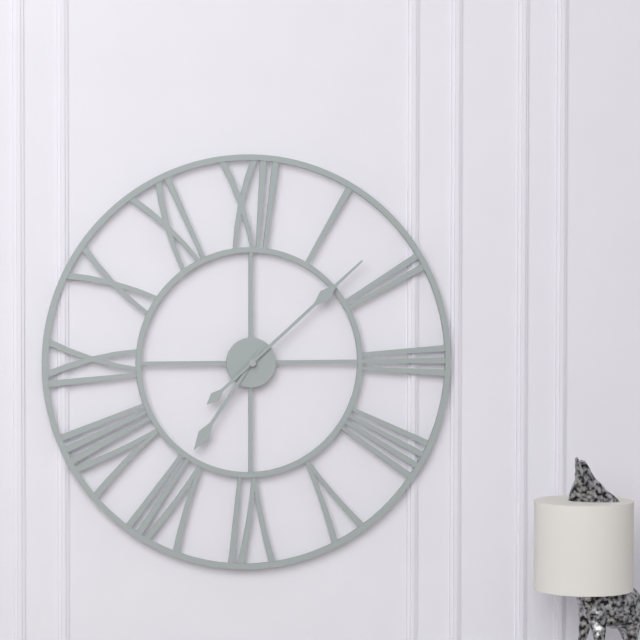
7:08
